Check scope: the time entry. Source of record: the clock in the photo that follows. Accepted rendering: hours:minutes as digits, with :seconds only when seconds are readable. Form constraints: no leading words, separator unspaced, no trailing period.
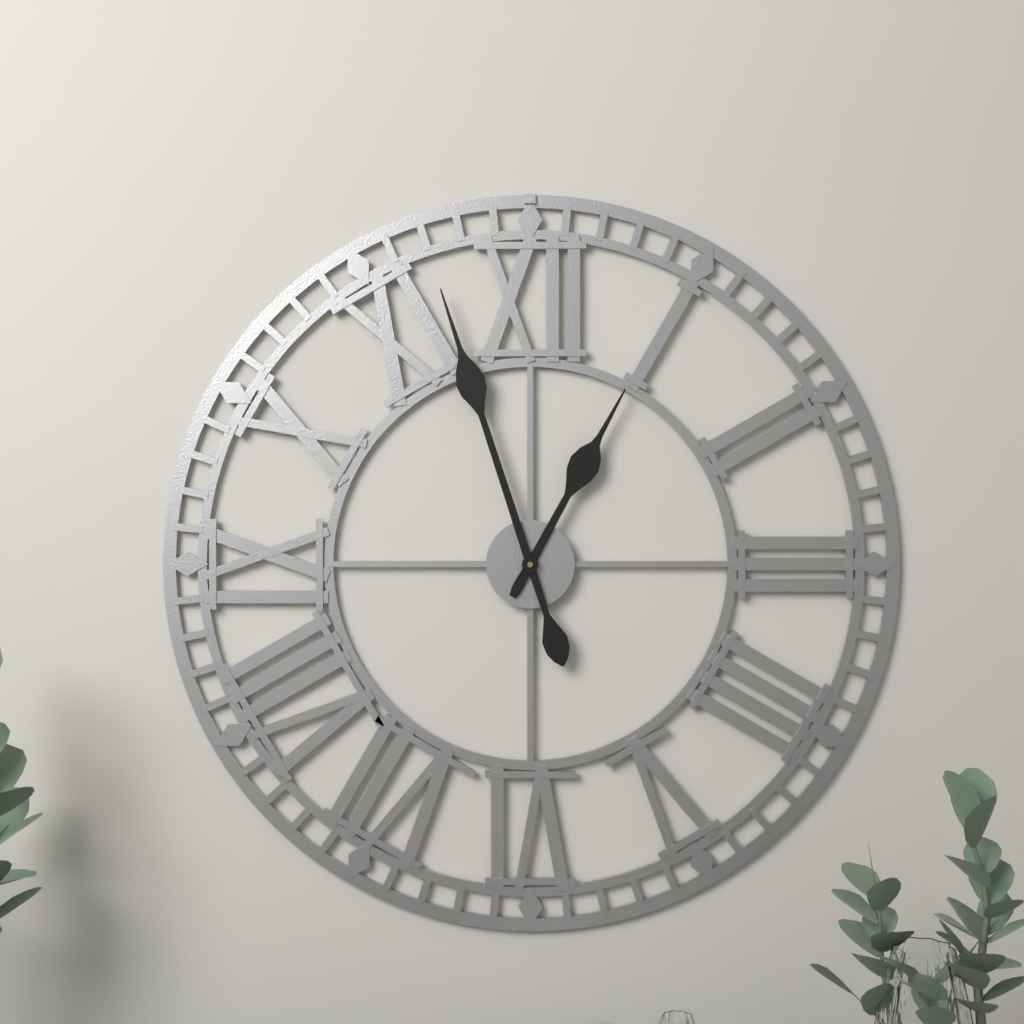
12:57
